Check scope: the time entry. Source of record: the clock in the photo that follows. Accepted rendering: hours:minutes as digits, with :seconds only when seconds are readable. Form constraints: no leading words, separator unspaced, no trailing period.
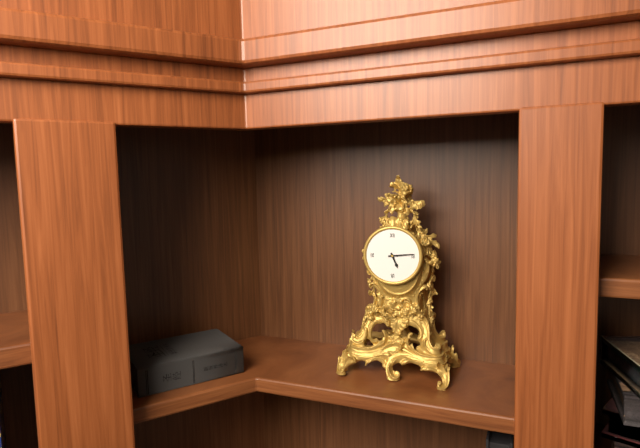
5:14
